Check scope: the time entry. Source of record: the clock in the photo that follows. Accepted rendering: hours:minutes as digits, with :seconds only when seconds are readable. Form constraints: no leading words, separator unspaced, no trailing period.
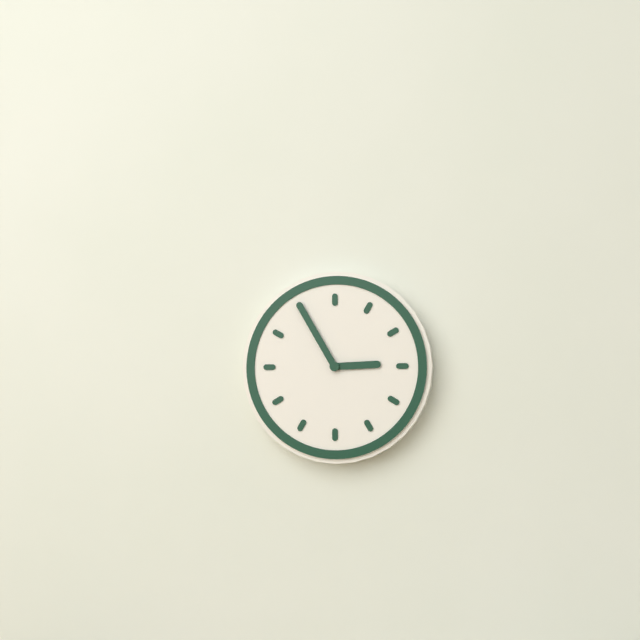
2:55
